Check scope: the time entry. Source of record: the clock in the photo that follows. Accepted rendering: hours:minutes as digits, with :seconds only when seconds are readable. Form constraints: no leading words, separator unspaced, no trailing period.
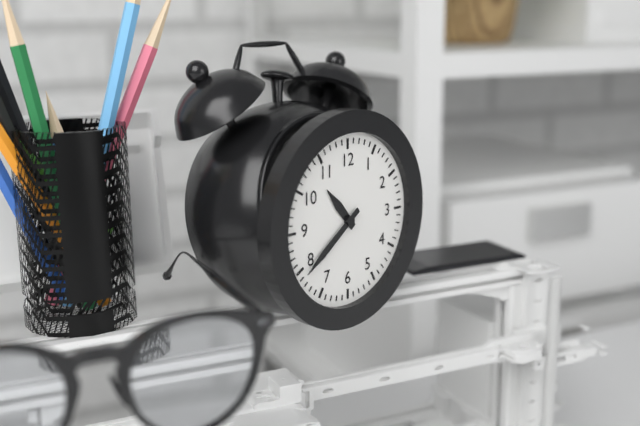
10:39
